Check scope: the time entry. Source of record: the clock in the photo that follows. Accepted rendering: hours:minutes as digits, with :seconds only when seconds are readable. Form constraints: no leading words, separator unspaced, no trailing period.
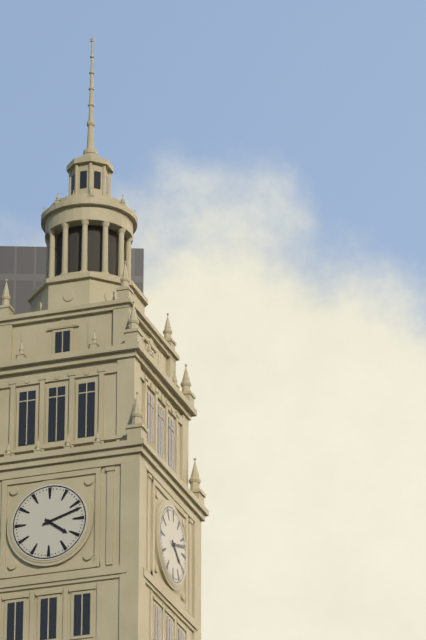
4:12
